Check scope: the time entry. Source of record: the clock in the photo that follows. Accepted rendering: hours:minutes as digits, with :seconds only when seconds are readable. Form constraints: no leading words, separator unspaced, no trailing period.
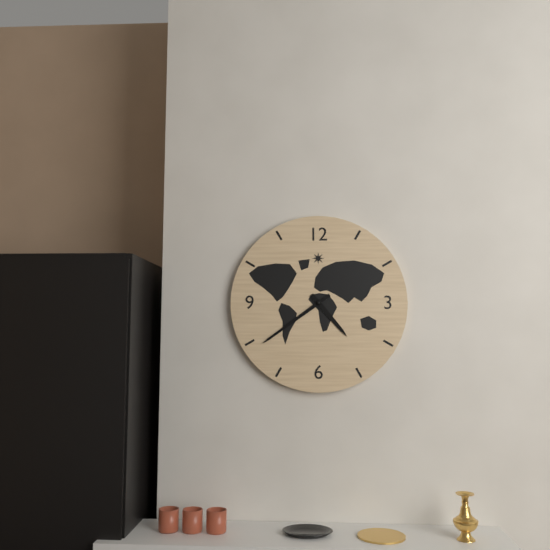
4:39
